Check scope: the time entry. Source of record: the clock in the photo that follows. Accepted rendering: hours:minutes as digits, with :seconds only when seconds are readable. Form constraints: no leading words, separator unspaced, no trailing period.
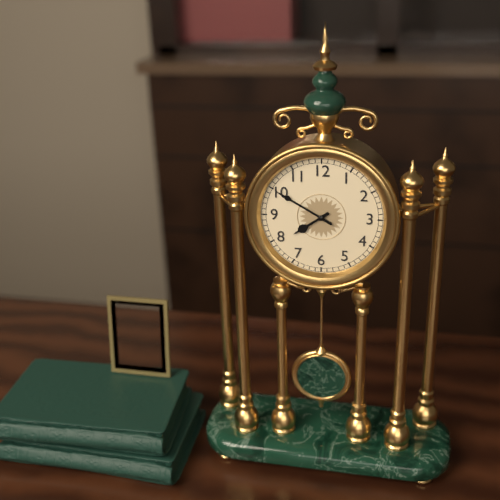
7:50
